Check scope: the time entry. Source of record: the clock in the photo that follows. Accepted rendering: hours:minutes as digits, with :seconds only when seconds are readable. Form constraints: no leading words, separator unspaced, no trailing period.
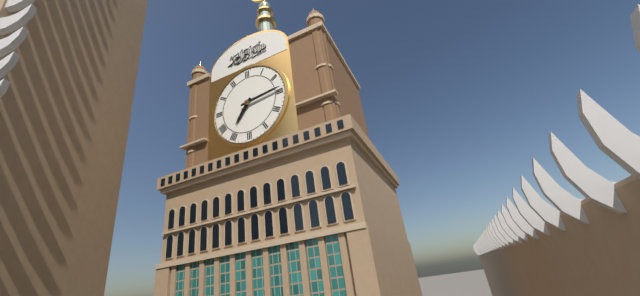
7:14
